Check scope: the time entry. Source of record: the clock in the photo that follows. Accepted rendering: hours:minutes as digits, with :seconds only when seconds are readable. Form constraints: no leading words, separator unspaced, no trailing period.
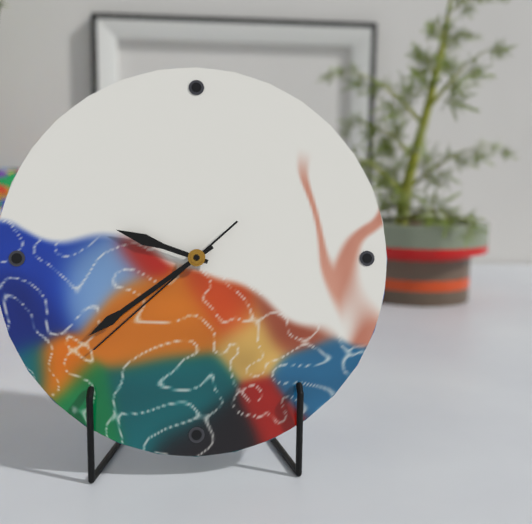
9:39:38
